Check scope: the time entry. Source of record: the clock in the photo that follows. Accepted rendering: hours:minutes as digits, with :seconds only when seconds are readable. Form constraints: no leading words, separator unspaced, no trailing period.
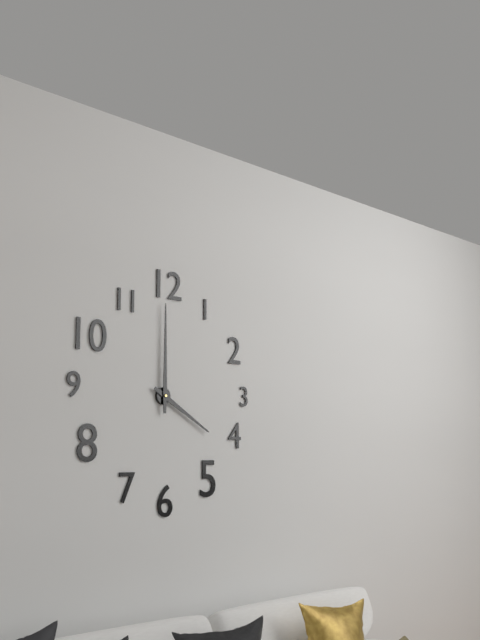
4:00
